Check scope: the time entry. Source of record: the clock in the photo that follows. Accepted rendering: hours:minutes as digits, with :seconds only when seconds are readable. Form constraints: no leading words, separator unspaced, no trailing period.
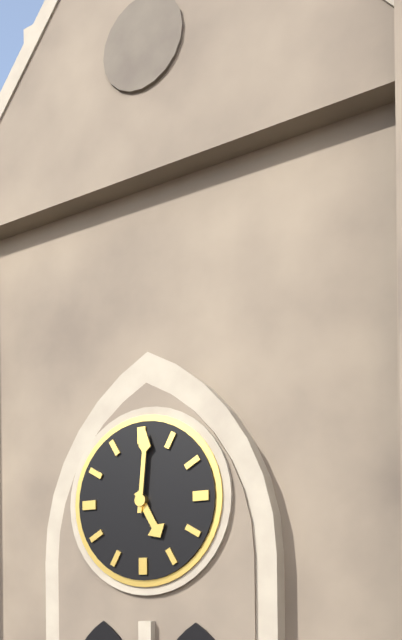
5:01
